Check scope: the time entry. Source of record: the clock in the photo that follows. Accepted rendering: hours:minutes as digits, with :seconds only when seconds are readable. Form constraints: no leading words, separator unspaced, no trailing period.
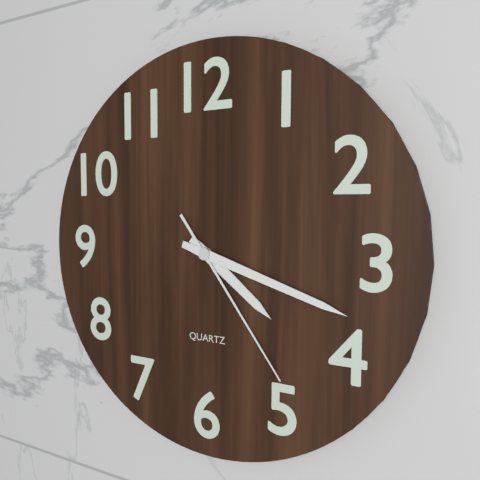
4:18:24
